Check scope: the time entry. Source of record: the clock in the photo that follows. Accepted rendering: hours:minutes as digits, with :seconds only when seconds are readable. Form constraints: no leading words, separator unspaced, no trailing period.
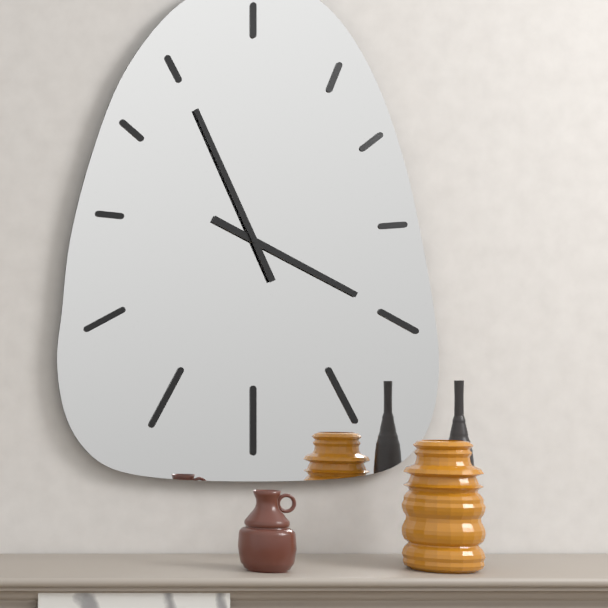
3:56
